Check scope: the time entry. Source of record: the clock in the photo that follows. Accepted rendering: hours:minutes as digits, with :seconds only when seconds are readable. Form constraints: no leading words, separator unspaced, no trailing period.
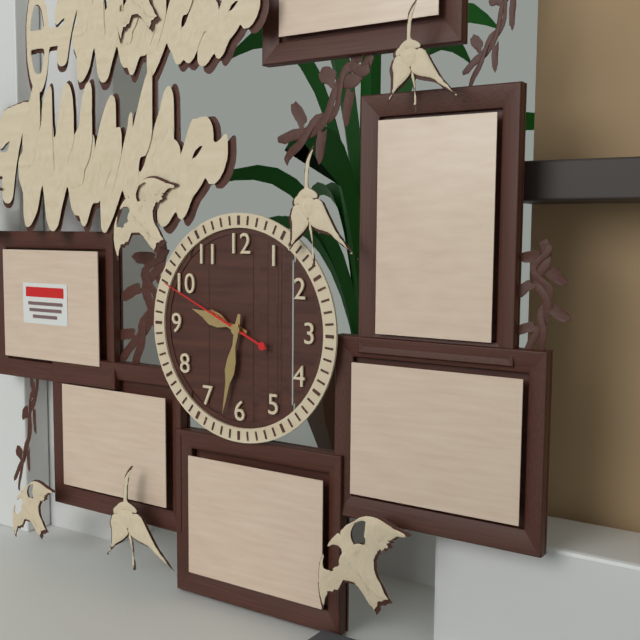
9:32:49
